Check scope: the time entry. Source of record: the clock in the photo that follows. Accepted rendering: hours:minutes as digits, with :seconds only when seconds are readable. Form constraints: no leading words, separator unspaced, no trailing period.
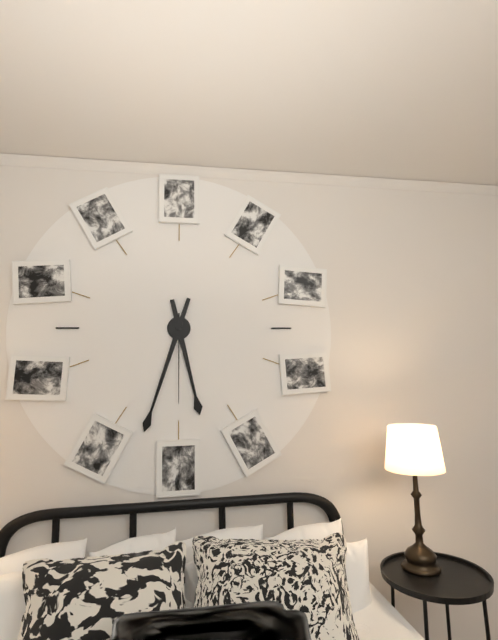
5:33:30
